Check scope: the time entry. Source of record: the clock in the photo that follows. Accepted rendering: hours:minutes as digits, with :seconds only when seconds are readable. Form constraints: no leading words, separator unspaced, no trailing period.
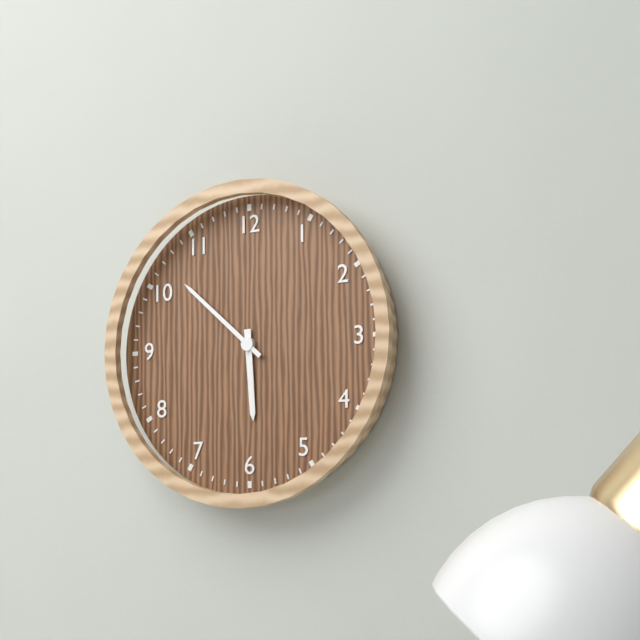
5:52
